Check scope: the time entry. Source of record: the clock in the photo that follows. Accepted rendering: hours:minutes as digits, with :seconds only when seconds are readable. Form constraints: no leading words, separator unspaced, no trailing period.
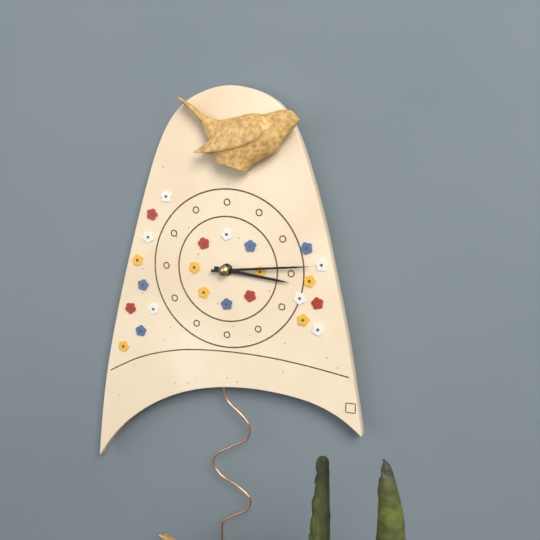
3:14
